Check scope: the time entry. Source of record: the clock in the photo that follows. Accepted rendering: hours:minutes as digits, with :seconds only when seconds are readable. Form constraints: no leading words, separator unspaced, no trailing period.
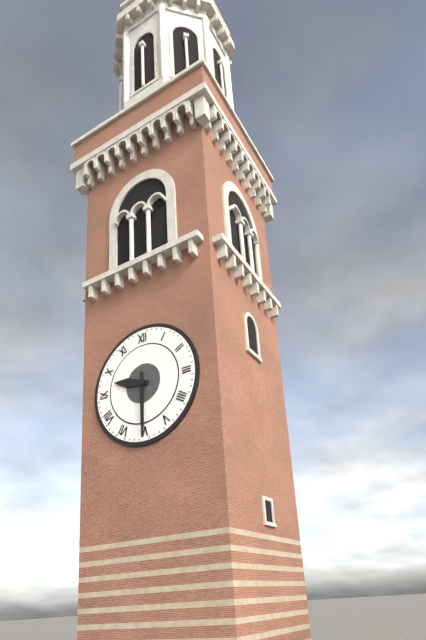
9:30
